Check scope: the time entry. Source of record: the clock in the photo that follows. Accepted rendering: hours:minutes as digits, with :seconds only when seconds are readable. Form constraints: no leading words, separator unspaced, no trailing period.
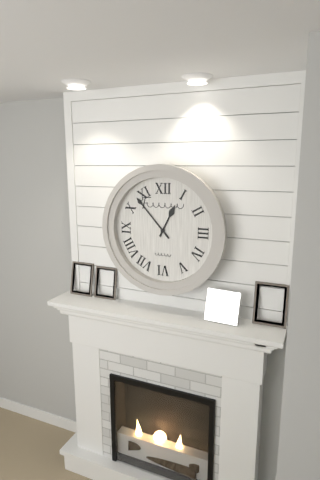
12:53
